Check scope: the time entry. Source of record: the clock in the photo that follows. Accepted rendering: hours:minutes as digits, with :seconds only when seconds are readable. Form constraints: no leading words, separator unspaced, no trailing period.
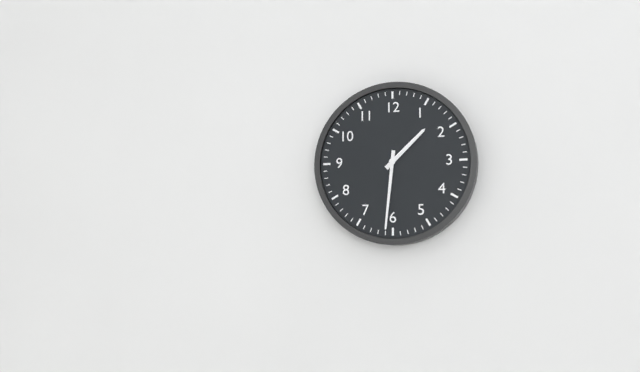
1:31
